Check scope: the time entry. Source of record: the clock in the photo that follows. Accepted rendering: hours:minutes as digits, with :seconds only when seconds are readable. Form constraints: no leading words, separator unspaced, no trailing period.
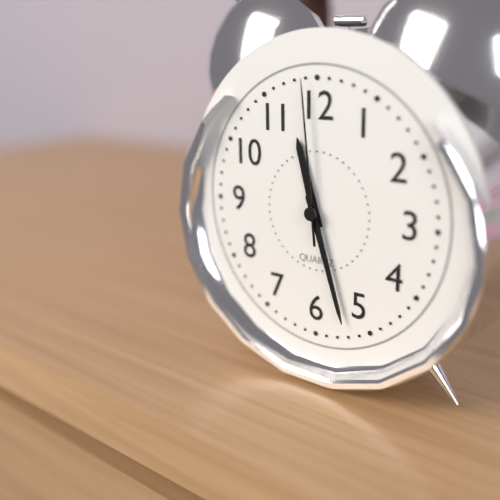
11:27:59
